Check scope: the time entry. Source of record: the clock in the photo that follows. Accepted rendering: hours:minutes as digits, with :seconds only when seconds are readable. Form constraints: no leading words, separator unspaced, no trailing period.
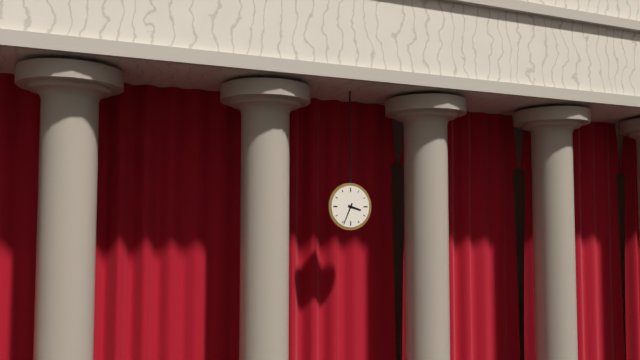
3:34
